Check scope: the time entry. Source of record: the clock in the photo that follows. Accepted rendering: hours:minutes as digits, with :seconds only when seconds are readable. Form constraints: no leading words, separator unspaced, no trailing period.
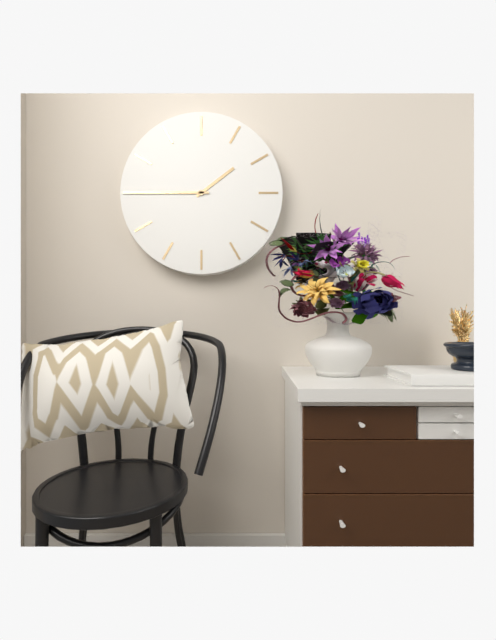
1:45
